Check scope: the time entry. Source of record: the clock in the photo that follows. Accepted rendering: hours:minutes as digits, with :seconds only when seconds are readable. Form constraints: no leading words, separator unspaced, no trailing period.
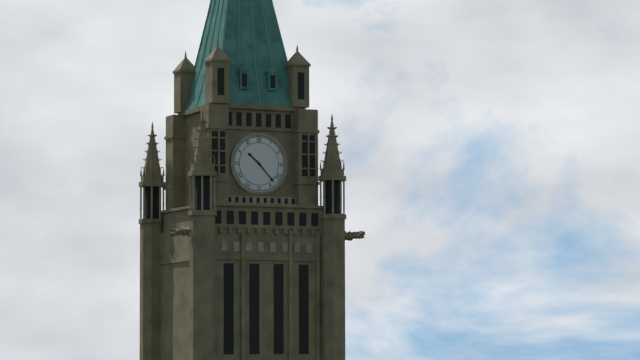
10:23
